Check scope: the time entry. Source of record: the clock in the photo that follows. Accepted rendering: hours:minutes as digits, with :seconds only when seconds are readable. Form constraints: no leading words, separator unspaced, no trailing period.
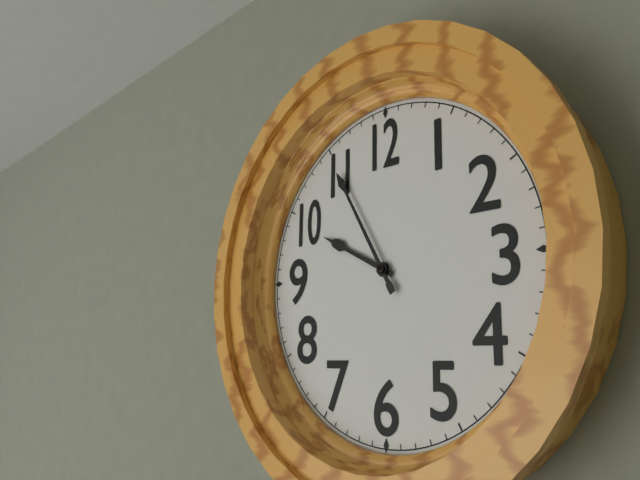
9:55
